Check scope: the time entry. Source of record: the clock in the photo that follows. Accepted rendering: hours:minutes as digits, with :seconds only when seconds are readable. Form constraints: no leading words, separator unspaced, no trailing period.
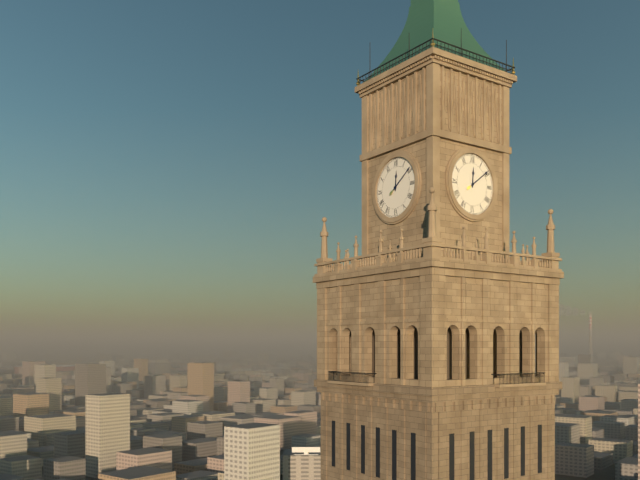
12:09
